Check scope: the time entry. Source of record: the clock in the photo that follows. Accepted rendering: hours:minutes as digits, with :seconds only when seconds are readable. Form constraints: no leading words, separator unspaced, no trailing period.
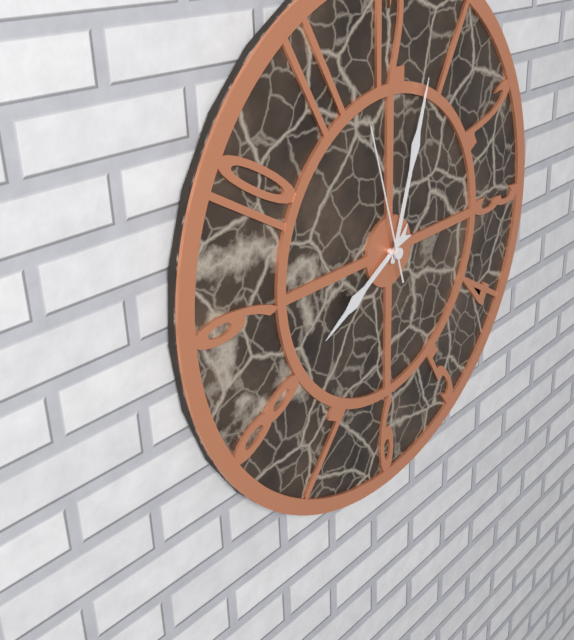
8:03:57
